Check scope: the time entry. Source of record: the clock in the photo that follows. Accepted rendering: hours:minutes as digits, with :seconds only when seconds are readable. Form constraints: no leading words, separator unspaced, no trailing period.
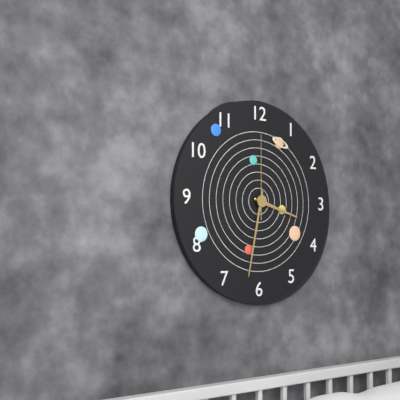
3:32:00
